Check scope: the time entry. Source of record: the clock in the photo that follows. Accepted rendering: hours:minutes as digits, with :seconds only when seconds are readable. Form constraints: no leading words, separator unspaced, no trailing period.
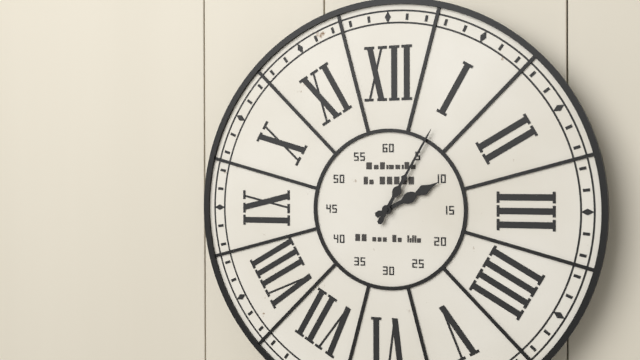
2:05
